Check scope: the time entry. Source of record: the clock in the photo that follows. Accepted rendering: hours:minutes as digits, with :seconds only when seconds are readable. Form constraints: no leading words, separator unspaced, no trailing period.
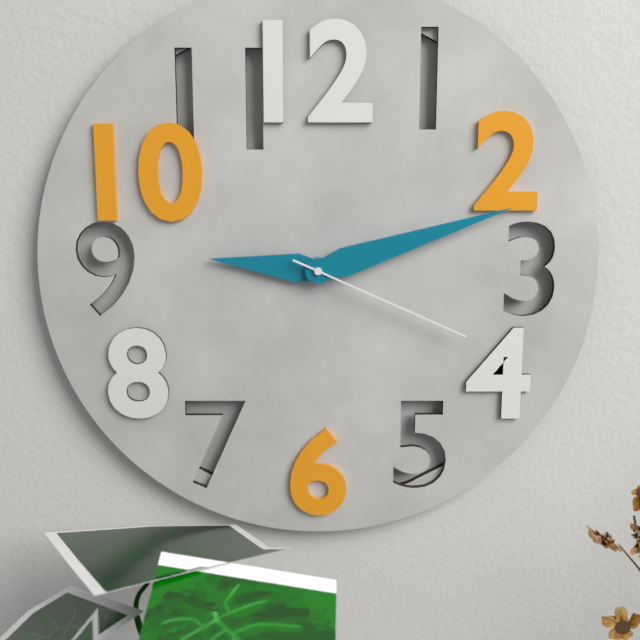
9:12:19
